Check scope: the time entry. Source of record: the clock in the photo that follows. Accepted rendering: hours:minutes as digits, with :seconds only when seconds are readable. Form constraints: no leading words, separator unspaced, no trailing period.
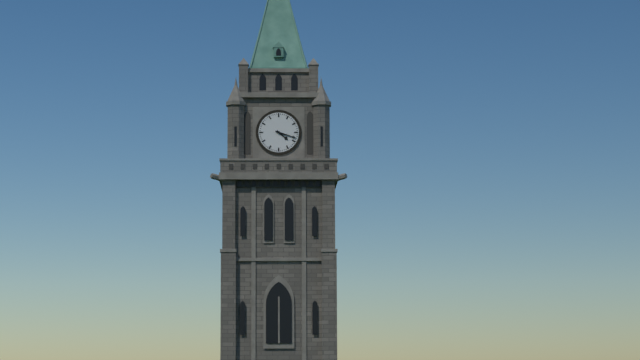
4:18
